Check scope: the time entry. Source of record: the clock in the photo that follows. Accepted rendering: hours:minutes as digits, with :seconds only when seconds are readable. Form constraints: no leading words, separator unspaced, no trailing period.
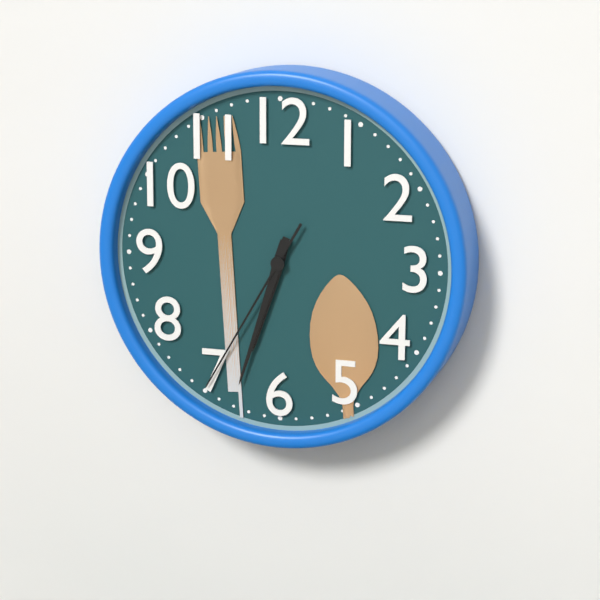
6:33:35
